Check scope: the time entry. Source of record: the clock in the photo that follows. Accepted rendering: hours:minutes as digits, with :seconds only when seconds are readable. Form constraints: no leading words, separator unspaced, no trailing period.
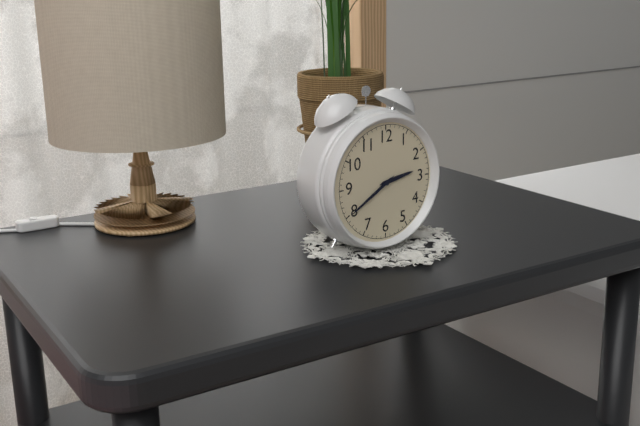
2:40
